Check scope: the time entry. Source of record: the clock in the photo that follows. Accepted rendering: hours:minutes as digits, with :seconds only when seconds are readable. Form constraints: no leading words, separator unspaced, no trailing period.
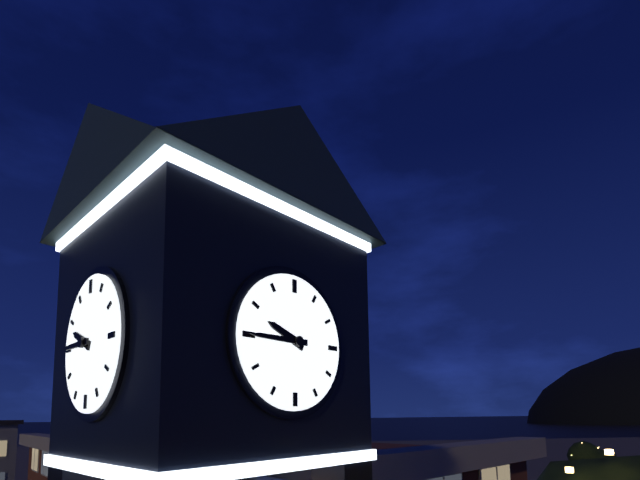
9:45
